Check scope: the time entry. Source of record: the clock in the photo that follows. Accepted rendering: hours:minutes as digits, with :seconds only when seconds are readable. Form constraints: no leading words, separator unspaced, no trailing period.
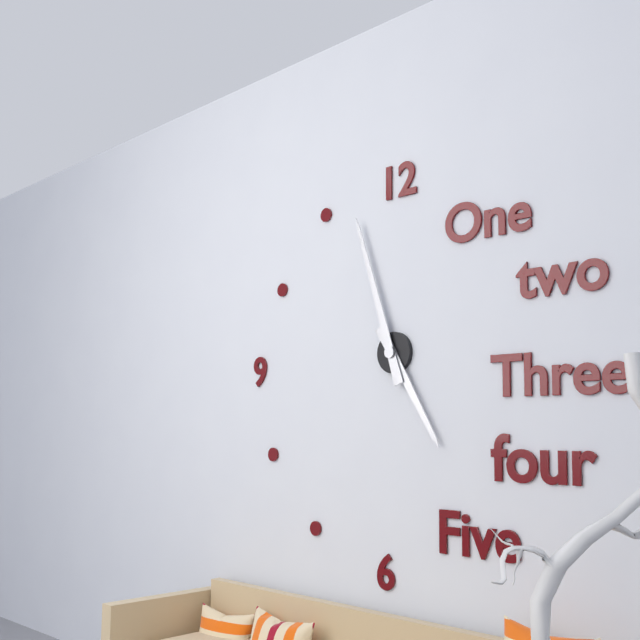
4:57
